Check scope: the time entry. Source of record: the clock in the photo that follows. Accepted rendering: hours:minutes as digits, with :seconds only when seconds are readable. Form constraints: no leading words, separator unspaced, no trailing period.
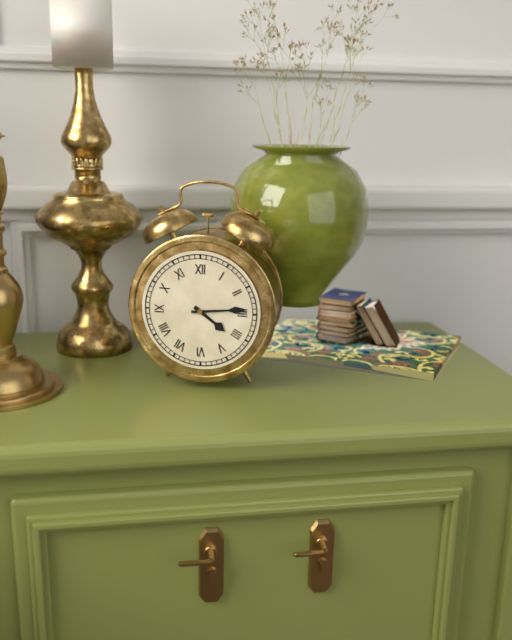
4:14
